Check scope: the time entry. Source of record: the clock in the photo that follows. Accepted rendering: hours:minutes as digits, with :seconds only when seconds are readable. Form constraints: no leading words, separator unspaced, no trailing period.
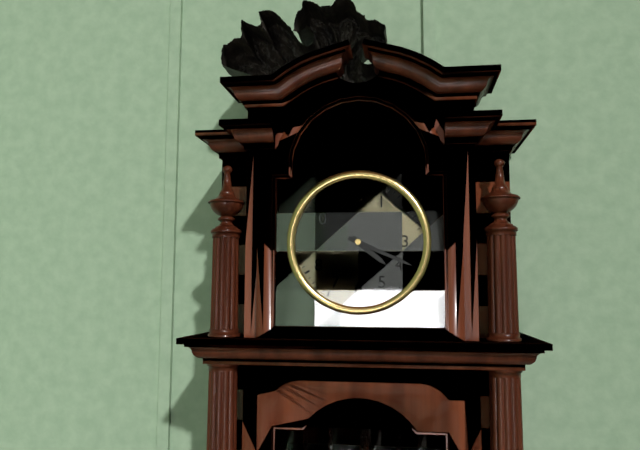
4:19
